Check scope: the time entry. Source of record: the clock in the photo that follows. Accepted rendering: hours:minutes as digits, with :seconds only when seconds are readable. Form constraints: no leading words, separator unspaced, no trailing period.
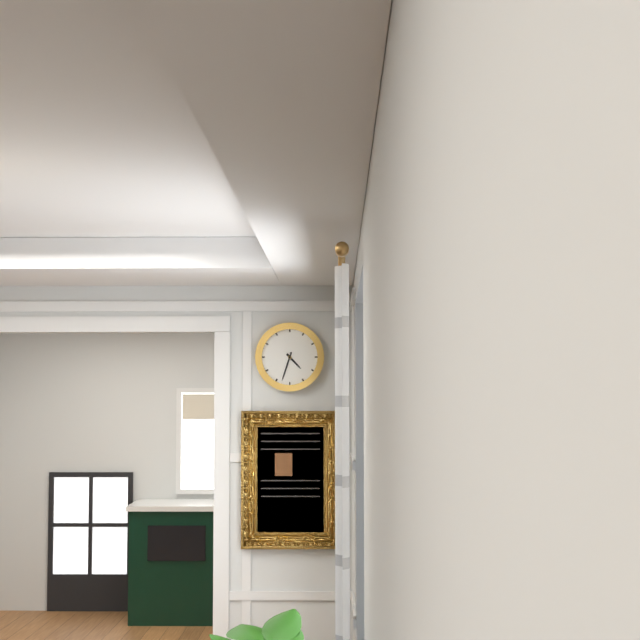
4:33
